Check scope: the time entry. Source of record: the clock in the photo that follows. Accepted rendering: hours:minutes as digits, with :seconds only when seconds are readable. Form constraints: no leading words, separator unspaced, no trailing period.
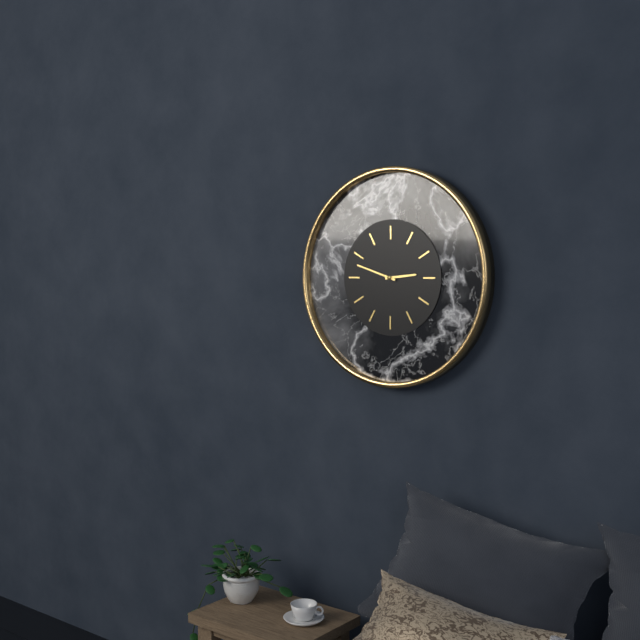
2:48
